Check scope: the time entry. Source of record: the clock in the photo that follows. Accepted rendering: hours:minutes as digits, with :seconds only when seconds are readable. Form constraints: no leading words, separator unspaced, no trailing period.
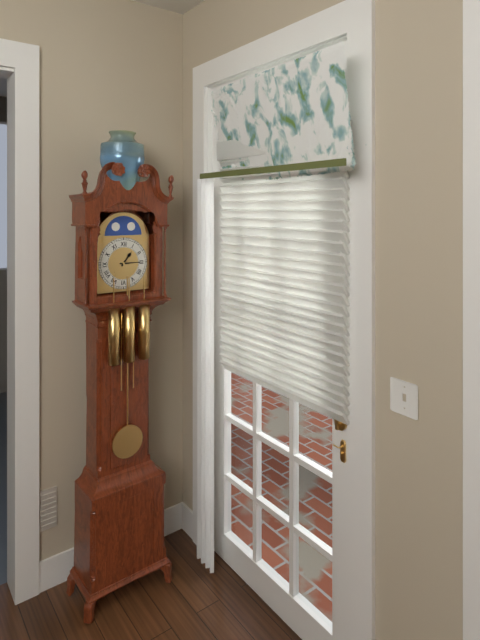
1:15
